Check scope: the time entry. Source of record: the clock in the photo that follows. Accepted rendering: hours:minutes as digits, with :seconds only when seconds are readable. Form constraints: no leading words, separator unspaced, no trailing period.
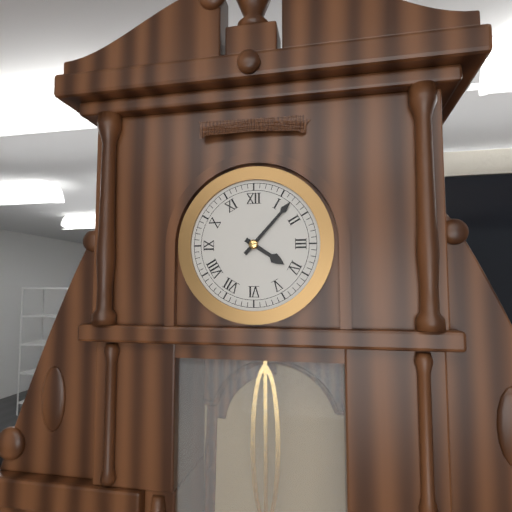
4:07
